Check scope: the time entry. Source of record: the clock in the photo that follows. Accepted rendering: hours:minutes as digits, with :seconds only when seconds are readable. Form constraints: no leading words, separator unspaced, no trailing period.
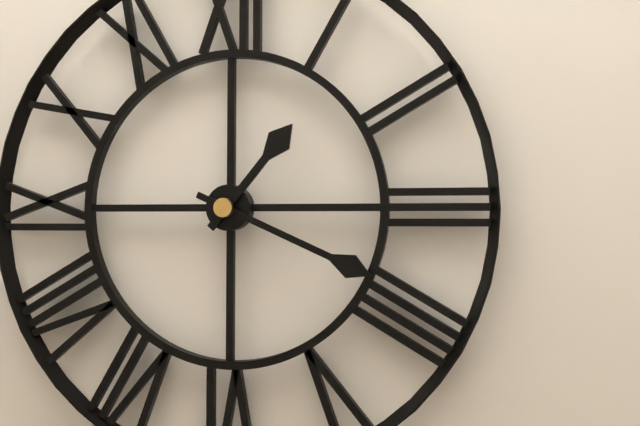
1:19
